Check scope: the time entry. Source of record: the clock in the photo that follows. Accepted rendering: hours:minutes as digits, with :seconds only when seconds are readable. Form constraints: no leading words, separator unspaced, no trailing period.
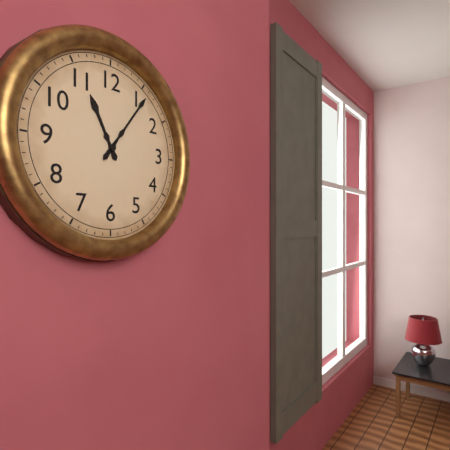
11:06
